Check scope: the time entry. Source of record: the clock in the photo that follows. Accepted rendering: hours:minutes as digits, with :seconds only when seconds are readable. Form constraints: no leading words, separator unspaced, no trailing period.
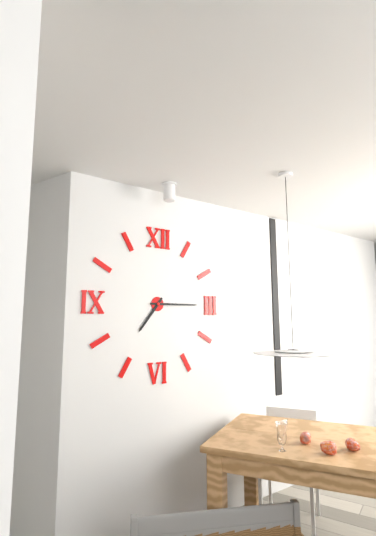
7:15
